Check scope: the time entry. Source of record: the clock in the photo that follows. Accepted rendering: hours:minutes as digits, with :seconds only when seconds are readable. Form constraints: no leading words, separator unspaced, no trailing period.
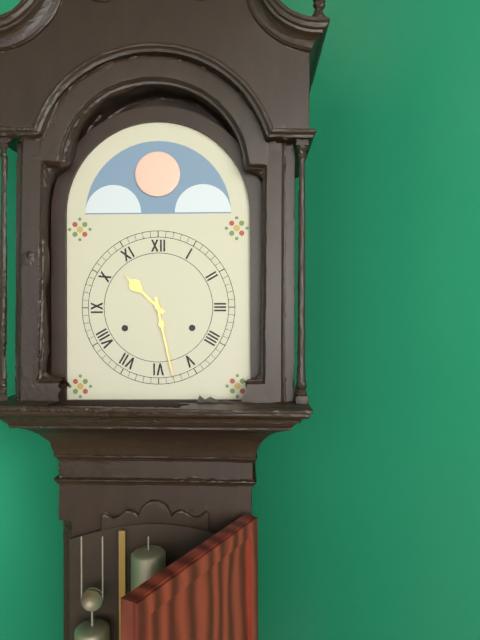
10:28
